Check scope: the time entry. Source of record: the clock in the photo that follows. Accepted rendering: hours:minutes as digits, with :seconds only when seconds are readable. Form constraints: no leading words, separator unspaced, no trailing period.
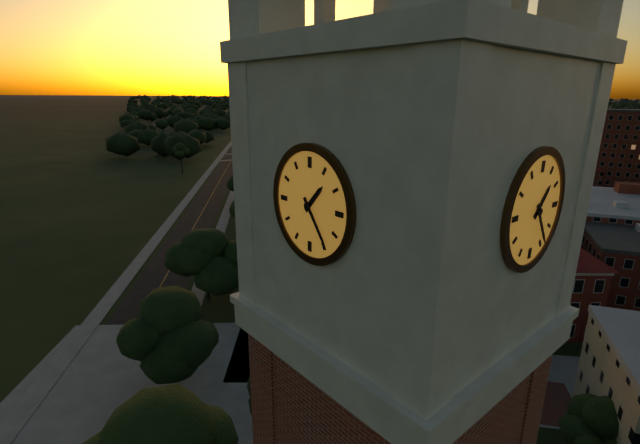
1:24
